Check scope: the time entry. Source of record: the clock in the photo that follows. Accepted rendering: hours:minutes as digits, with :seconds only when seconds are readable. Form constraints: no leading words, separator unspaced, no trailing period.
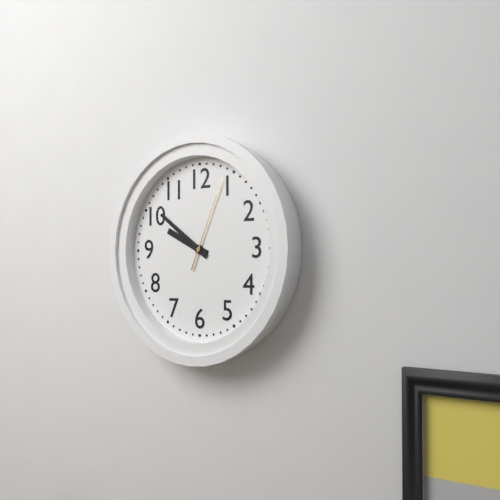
9:51:04
